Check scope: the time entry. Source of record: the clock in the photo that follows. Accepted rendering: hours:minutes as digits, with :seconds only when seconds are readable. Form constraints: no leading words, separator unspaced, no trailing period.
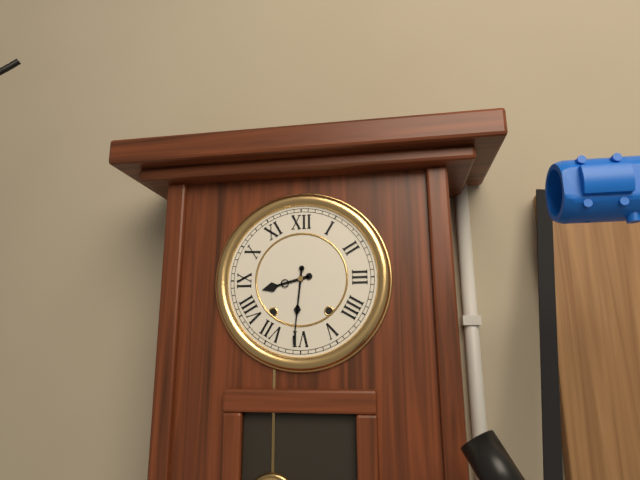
8:31
